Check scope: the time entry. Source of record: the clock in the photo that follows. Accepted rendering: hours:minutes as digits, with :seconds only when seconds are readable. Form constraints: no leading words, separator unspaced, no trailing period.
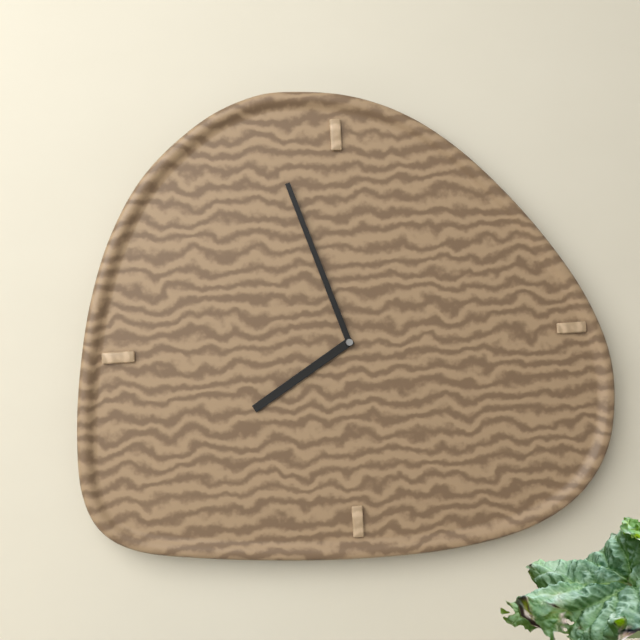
7:57
